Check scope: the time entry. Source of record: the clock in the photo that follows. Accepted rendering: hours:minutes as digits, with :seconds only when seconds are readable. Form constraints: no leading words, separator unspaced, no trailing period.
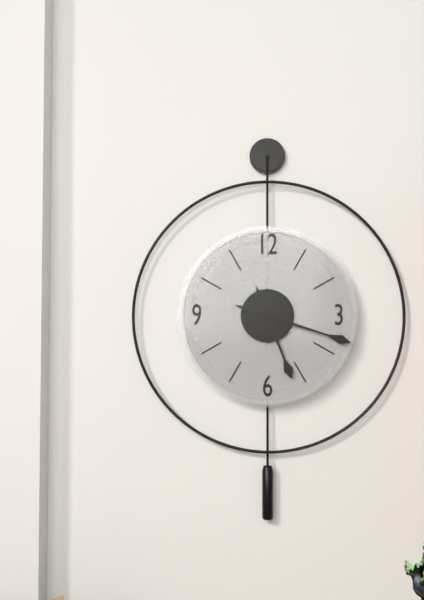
5:18
